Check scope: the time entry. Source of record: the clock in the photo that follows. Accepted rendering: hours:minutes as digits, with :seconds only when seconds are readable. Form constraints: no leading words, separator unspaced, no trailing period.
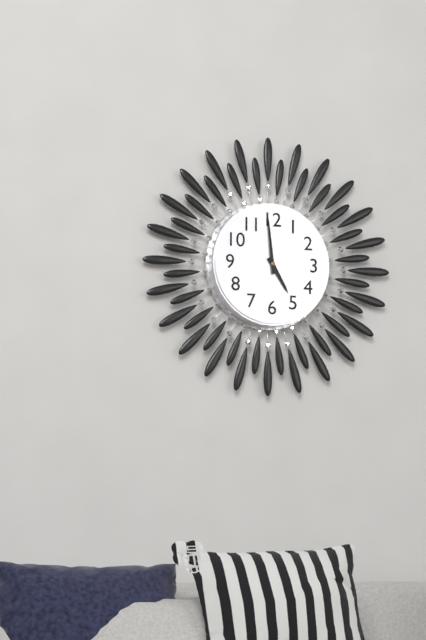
4:59
